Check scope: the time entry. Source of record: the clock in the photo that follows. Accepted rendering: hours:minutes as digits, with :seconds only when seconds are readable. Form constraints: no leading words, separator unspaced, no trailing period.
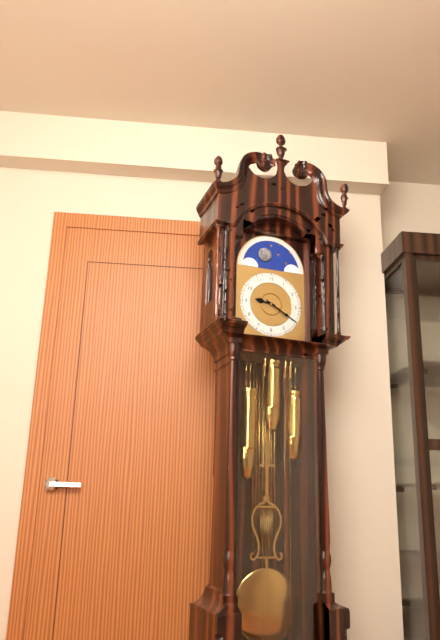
9:20
